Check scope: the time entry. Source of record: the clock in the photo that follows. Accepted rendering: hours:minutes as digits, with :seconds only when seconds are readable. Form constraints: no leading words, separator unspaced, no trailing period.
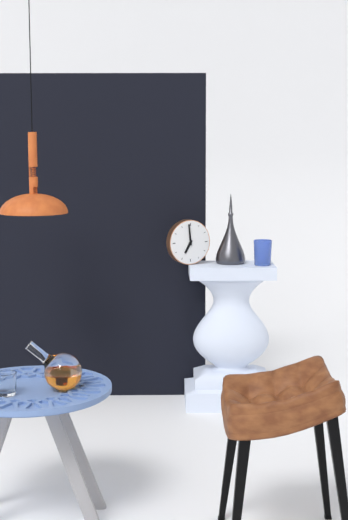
6:59
